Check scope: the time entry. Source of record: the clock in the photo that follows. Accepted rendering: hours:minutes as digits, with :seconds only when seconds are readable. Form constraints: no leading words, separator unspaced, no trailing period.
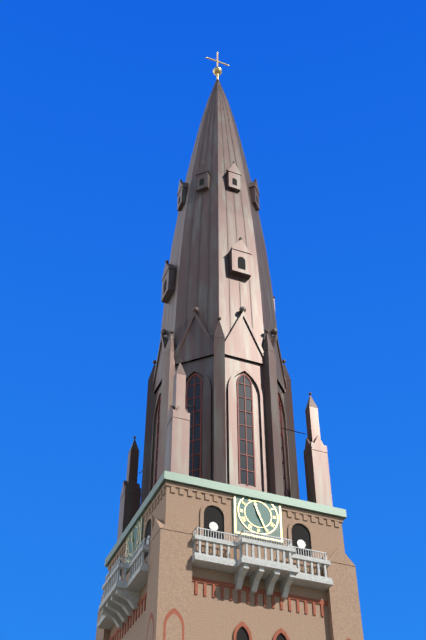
11:26
